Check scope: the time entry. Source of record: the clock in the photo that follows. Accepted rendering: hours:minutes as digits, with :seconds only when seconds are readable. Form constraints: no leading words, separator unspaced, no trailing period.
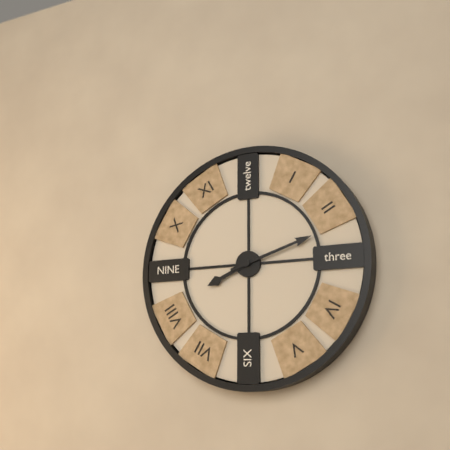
8:12
